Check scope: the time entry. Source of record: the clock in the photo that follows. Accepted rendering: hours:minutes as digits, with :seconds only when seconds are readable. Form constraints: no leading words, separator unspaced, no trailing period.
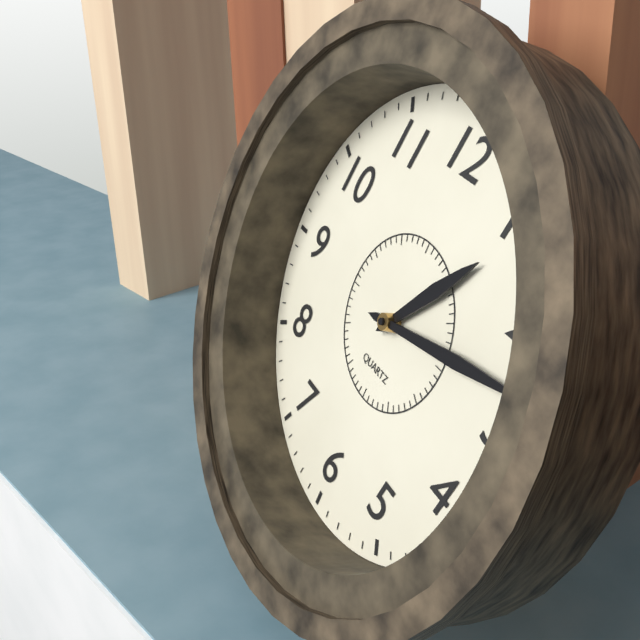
1:13
